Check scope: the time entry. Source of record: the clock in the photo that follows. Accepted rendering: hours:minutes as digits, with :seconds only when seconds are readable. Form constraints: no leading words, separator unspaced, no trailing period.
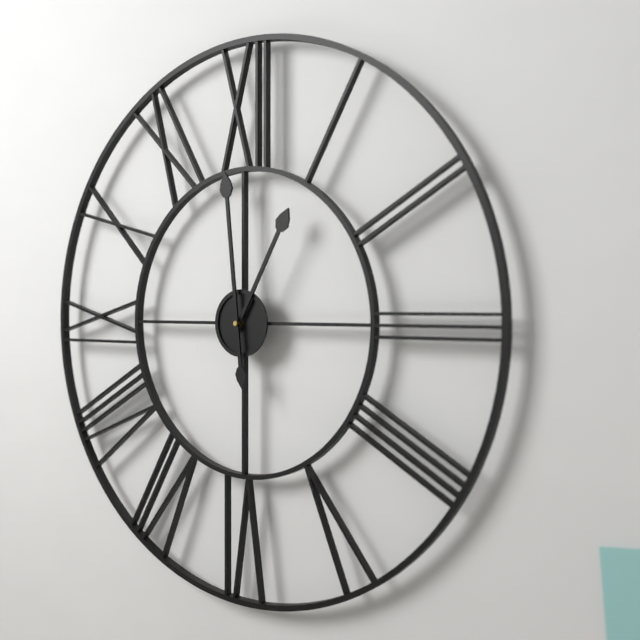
12:59
